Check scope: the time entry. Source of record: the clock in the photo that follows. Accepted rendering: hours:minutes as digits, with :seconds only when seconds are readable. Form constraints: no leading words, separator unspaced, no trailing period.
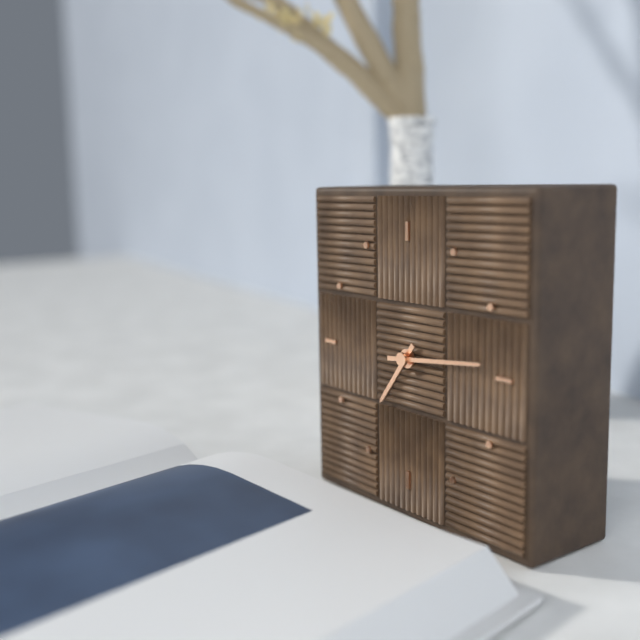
7:14
